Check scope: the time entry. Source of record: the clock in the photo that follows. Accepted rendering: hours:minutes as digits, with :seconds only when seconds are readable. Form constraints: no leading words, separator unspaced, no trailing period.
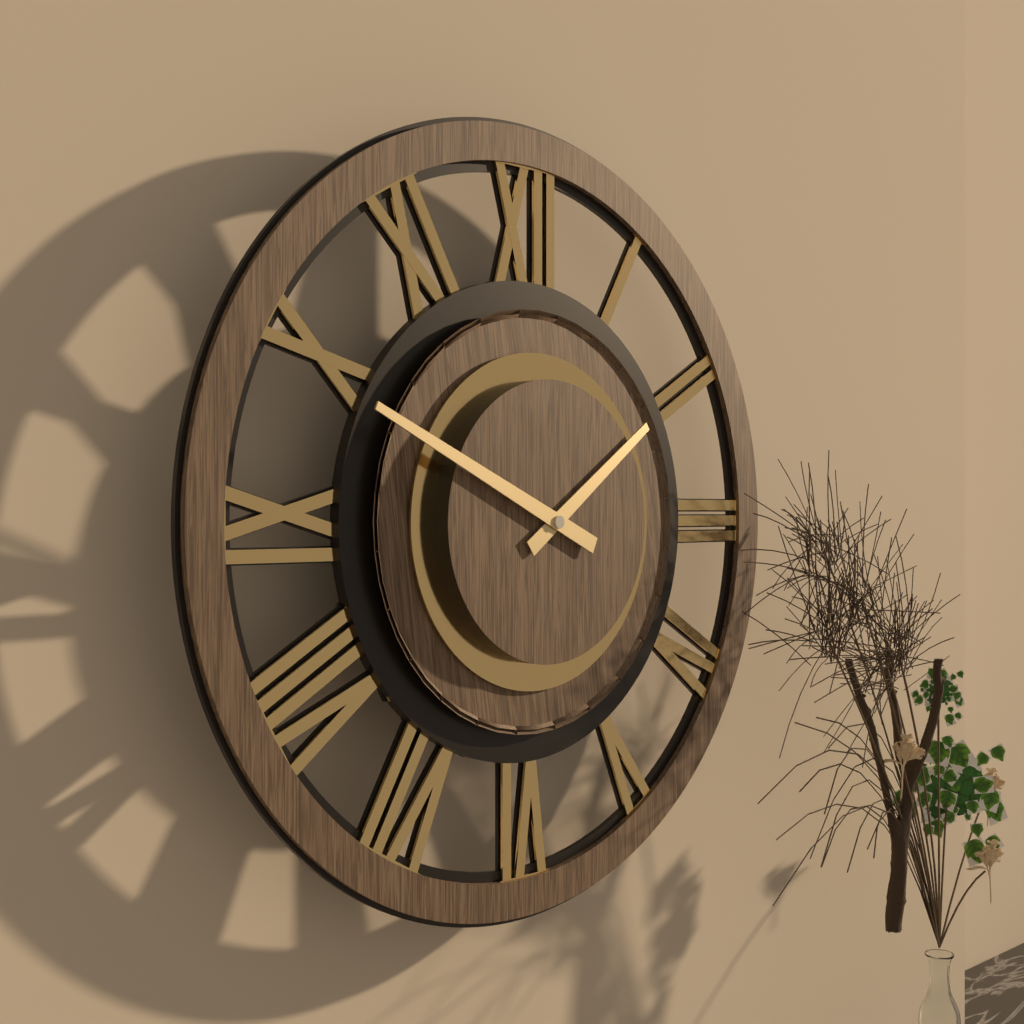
1:49
